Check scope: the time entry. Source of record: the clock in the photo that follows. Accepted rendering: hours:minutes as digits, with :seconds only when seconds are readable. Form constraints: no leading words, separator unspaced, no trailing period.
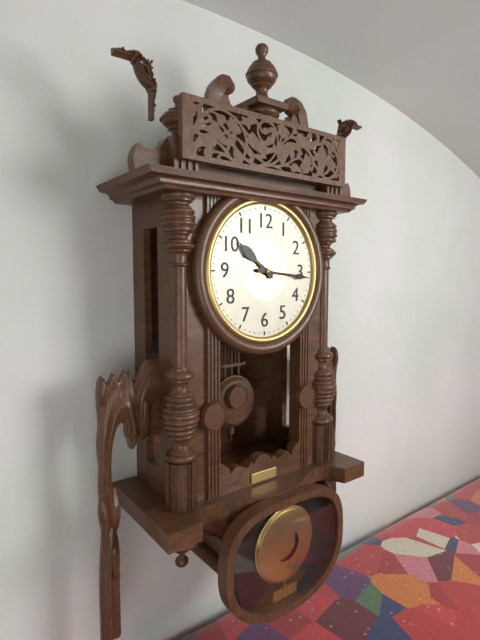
10:16
